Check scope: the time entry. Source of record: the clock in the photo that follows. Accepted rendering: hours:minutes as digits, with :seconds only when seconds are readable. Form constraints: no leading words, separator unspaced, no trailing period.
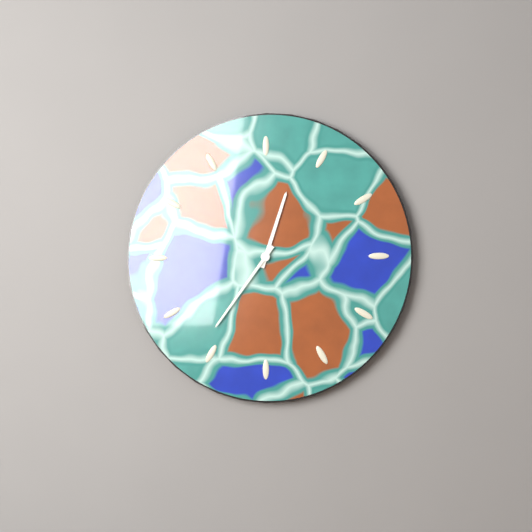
12:36
